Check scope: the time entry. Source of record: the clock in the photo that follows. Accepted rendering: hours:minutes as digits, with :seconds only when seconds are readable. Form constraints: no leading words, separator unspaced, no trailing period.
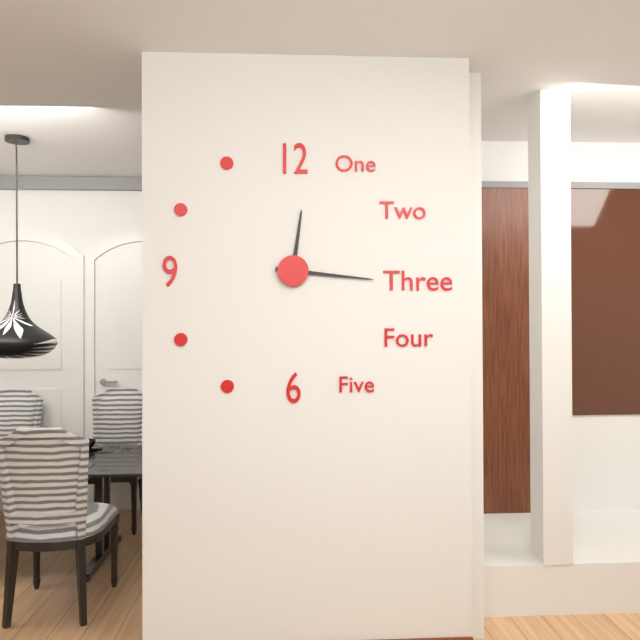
12:16
